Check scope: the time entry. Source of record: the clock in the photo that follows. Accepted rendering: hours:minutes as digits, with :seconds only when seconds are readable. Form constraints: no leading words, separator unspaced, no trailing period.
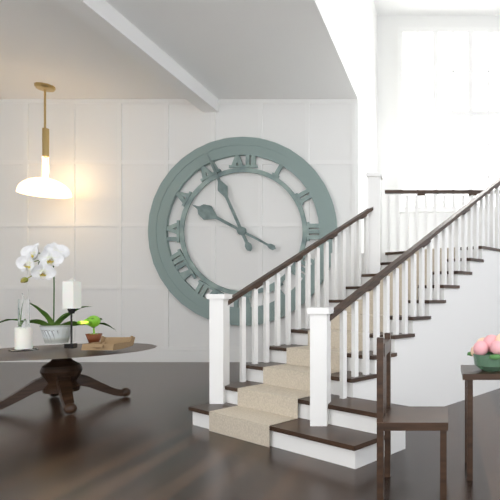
9:56
